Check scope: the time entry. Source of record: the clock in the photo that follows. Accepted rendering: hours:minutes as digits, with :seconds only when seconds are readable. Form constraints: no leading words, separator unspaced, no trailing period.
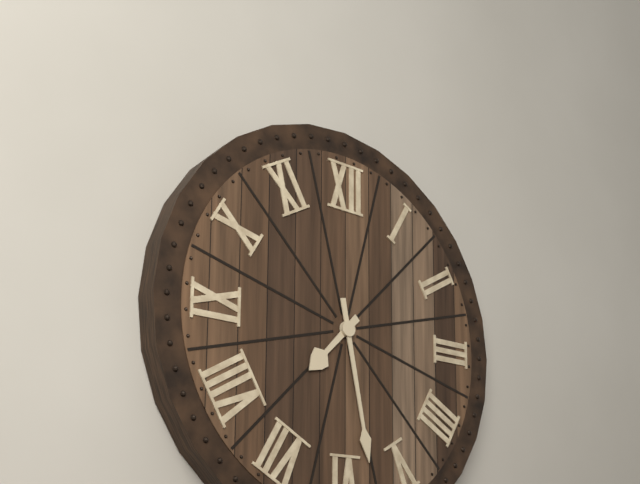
7:28
